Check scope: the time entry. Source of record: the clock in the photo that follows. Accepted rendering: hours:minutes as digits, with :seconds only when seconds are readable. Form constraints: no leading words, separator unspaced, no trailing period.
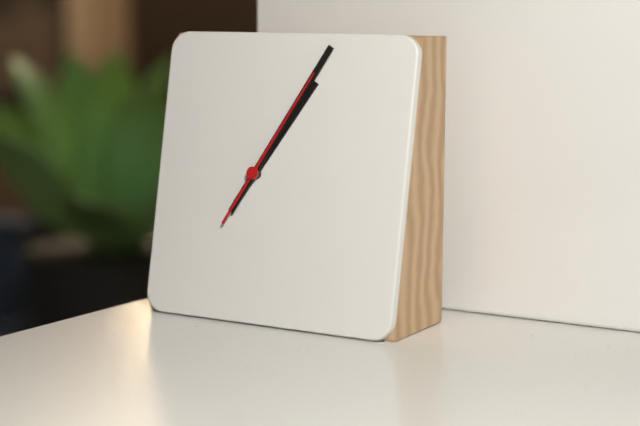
1:05:05
